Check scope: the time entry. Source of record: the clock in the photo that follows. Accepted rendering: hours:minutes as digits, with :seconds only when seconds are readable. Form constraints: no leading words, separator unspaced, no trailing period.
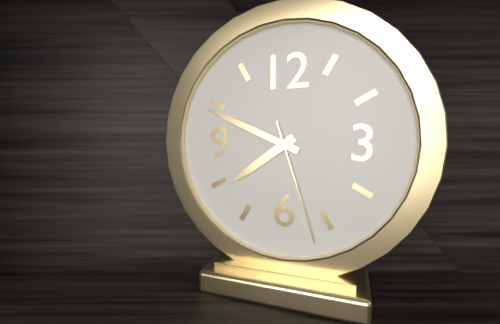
7:49:27
